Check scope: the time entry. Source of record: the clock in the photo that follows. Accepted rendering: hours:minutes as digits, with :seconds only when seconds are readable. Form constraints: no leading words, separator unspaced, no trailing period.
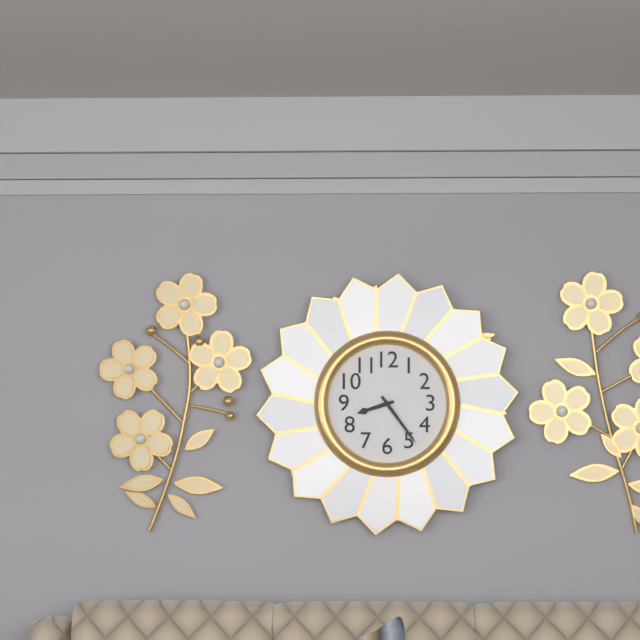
8:24
